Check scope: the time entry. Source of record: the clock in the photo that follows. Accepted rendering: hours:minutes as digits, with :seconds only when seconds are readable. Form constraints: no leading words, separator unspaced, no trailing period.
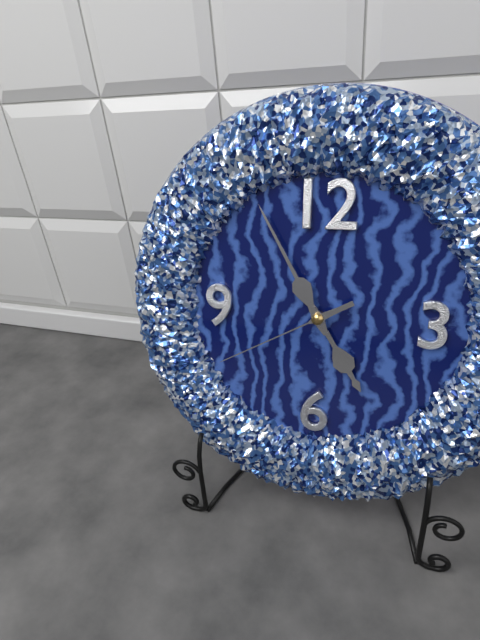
4:55:40
